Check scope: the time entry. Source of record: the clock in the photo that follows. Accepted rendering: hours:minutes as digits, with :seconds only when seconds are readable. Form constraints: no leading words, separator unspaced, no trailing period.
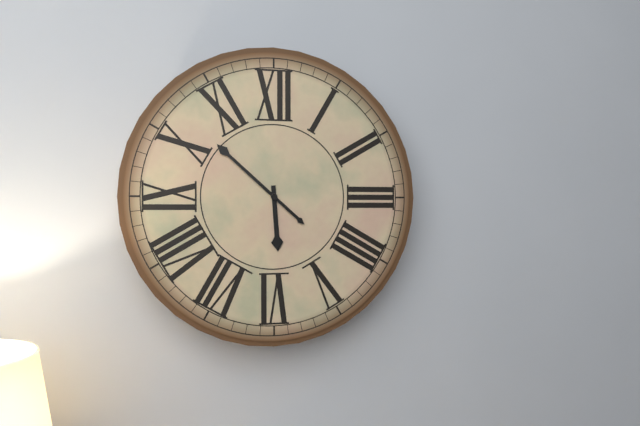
5:52
